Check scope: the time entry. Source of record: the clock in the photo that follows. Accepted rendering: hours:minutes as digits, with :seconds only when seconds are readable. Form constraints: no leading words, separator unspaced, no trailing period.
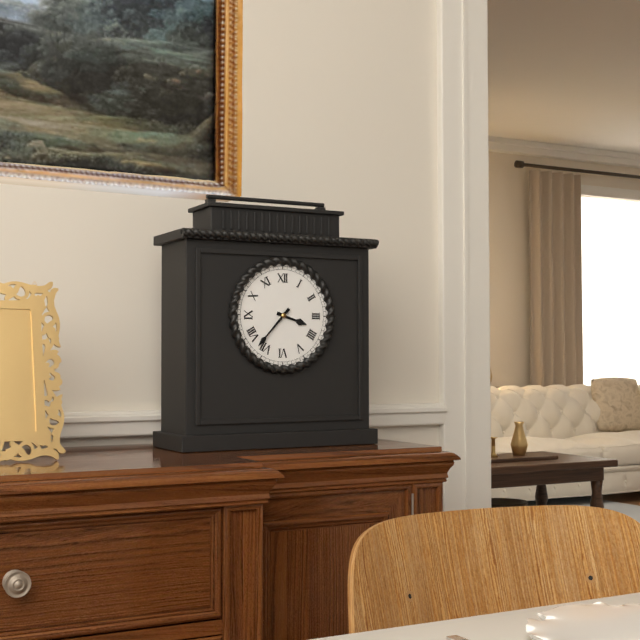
3:37
